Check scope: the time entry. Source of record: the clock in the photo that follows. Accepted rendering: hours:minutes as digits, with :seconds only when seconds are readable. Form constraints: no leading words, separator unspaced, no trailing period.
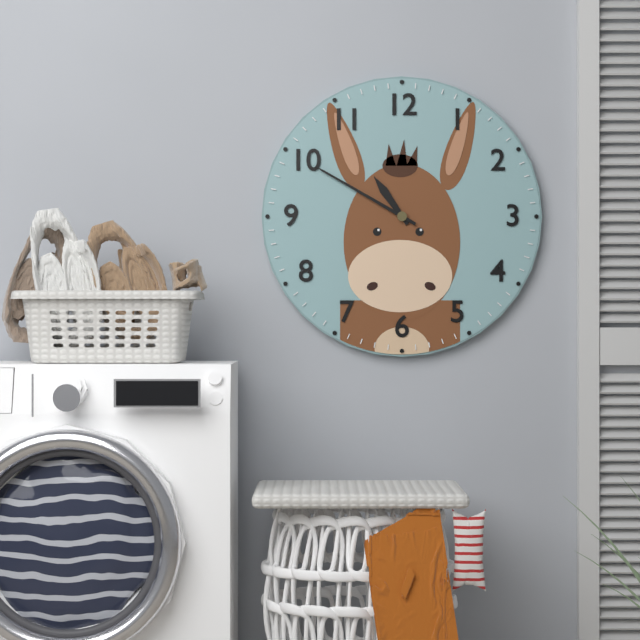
10:50
